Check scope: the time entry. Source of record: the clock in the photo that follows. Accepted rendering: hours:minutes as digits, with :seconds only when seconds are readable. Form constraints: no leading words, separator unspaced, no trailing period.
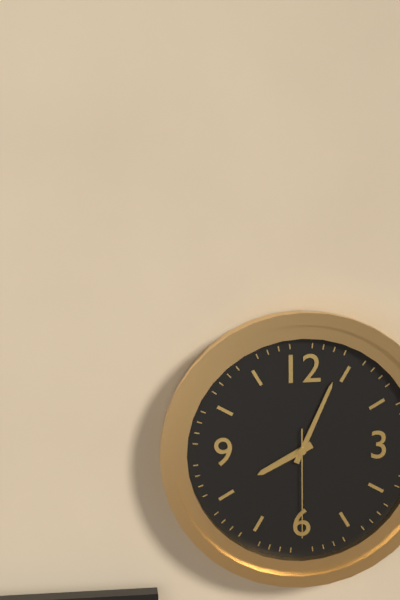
8:04:30
